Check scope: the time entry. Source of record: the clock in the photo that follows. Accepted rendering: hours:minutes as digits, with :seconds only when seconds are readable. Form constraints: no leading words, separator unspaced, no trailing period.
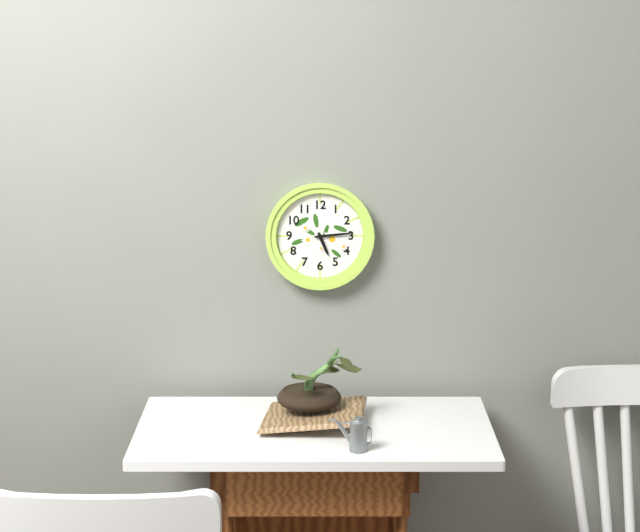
5:14
